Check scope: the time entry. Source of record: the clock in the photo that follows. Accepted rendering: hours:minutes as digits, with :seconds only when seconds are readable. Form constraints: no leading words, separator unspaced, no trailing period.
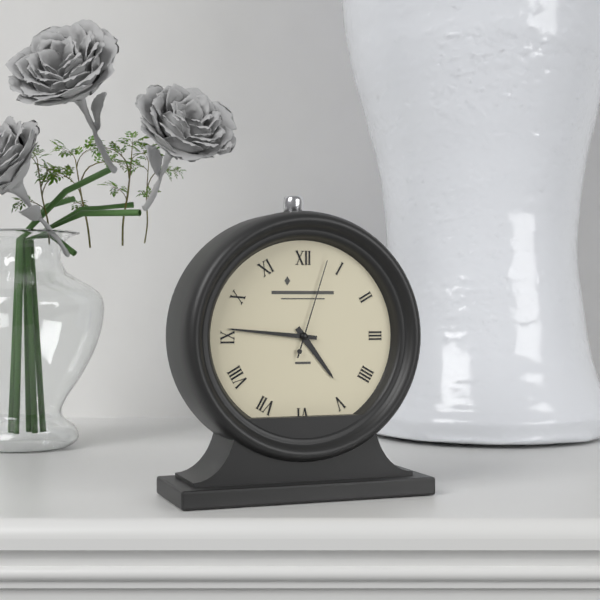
4:46:03
